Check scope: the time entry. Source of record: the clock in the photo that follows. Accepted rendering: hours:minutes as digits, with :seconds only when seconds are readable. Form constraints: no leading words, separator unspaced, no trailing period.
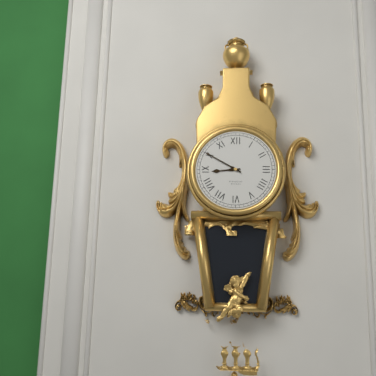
8:50
